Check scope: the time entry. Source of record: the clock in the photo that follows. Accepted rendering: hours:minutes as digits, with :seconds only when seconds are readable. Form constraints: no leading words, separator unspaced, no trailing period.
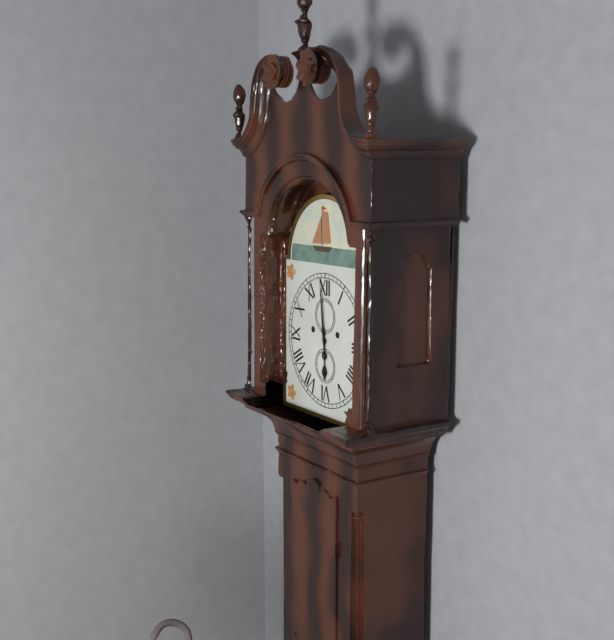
5:59
